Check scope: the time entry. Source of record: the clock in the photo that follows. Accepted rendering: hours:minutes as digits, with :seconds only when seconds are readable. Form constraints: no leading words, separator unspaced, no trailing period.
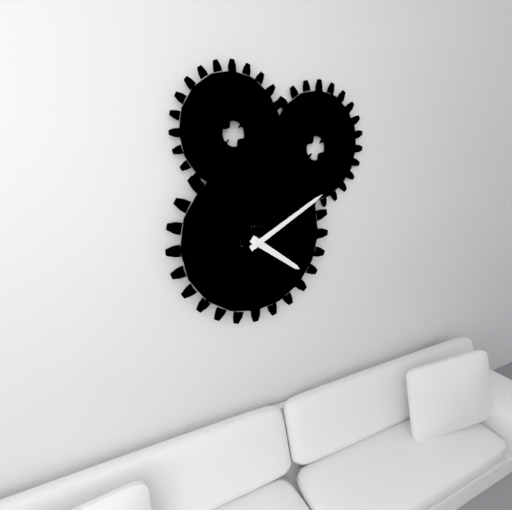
4:10
